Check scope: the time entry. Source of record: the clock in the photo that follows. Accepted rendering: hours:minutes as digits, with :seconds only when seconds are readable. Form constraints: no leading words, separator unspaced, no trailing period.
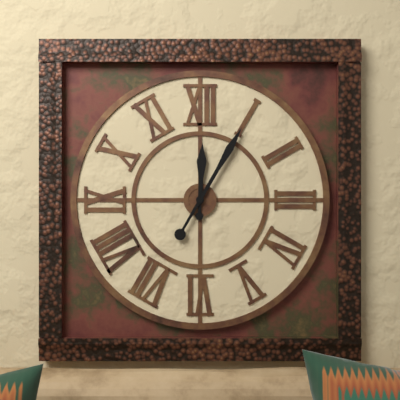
12:05
